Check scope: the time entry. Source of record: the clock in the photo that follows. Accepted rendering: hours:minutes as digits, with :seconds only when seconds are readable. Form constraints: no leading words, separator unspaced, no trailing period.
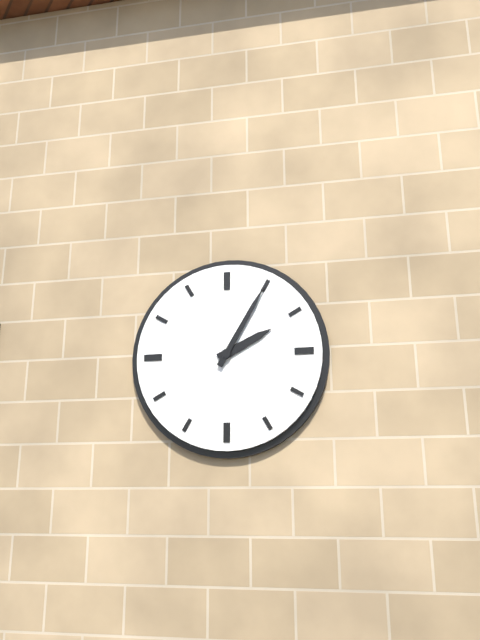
2:05
